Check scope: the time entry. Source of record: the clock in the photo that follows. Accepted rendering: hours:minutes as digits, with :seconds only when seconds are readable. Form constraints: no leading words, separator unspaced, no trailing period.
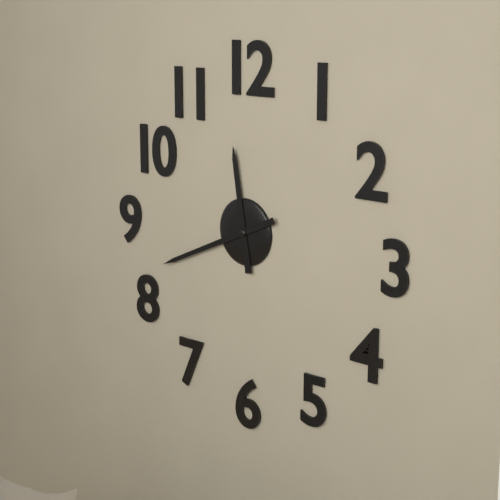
11:41
